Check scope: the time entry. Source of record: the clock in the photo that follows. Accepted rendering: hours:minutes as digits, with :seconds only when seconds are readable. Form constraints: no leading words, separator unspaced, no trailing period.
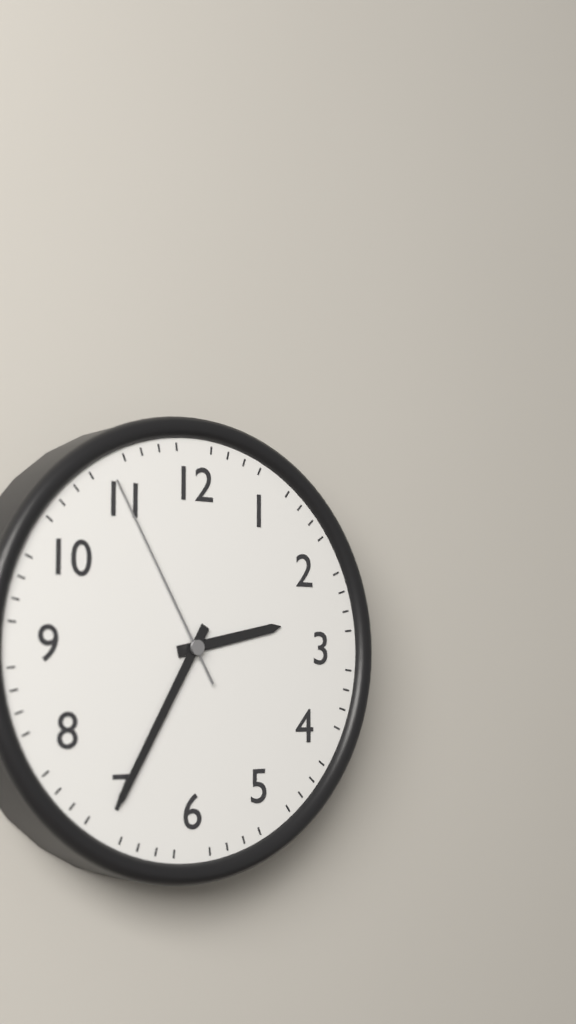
2:35:55
